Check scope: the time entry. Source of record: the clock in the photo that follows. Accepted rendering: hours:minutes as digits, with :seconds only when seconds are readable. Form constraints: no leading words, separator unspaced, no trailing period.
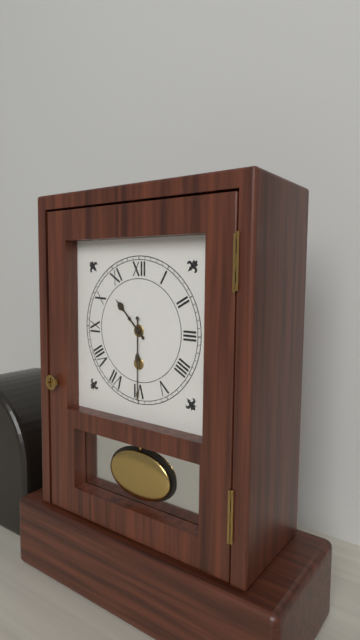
10:30
